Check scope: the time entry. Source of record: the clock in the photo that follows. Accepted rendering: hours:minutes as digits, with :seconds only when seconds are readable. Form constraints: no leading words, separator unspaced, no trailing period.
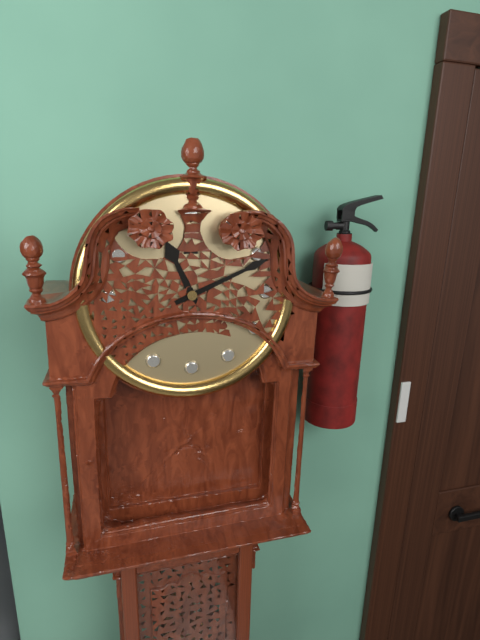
11:11
